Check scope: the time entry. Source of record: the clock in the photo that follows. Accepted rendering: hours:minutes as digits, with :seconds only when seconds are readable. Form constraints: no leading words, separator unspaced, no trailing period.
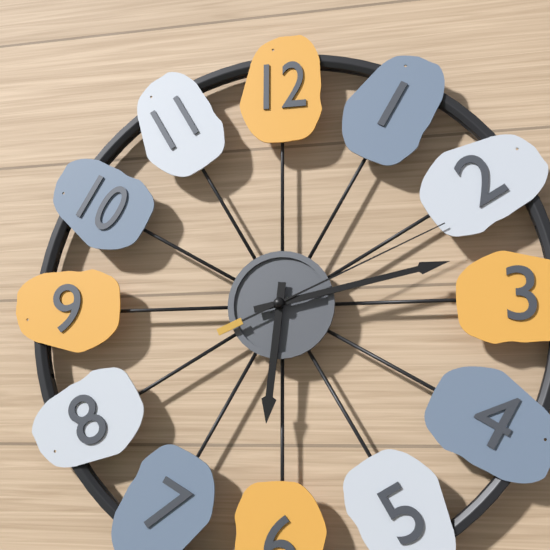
6:13:11
